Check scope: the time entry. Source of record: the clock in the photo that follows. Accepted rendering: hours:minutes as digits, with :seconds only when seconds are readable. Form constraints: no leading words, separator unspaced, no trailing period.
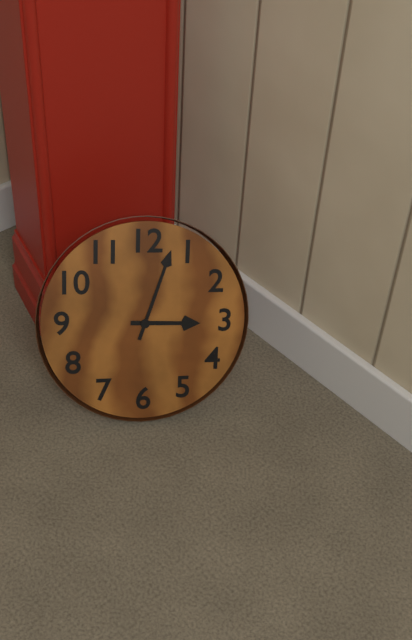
3:03
